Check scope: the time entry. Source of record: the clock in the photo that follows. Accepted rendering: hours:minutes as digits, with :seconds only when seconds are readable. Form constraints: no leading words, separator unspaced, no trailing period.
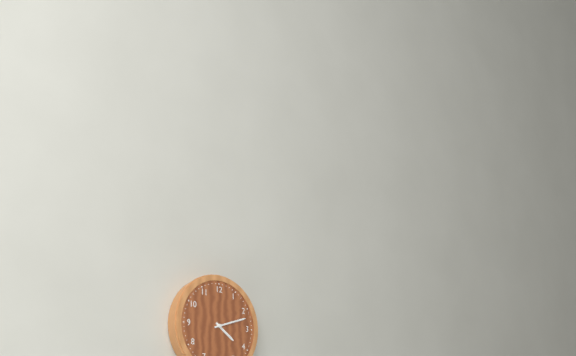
4:12
